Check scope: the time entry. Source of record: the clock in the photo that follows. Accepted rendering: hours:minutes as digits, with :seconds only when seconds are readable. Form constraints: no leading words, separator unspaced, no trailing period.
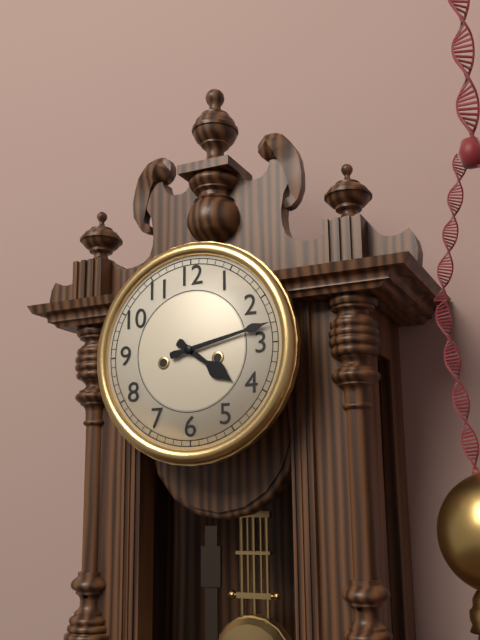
4:13
